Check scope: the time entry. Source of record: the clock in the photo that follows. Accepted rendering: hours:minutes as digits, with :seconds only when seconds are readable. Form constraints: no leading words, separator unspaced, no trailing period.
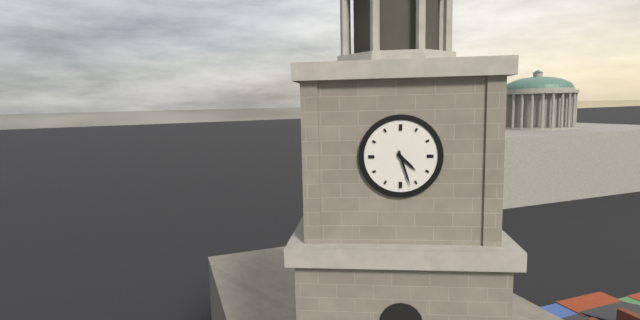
4:27
